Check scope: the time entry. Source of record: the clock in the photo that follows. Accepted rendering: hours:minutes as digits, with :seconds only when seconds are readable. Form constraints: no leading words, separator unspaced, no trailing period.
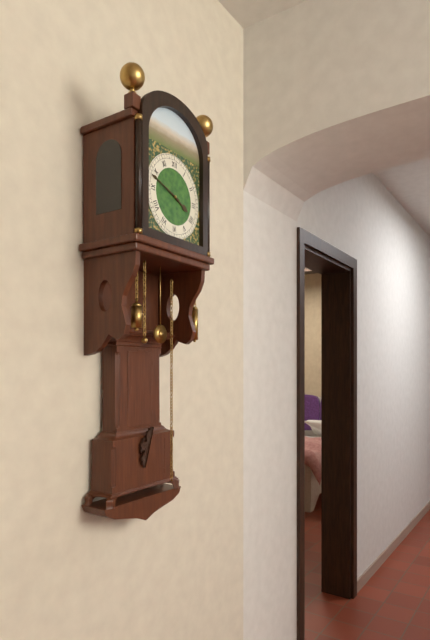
3:48
